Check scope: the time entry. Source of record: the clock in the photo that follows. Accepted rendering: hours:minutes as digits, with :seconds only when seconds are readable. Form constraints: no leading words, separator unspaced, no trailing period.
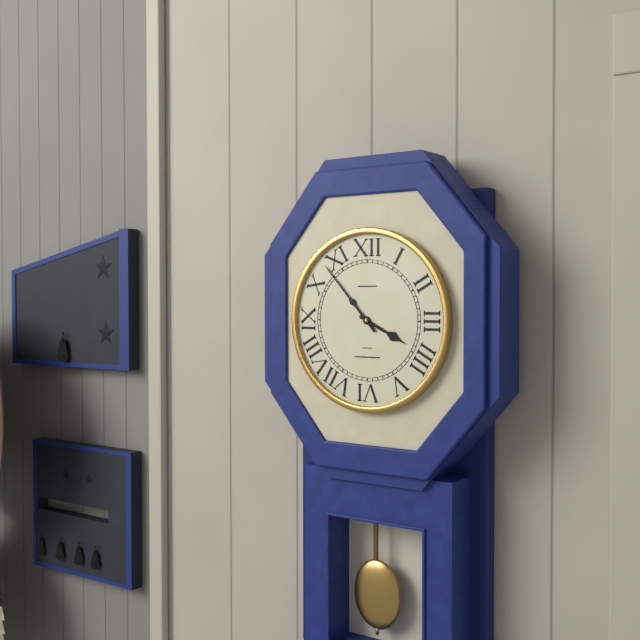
3:53
